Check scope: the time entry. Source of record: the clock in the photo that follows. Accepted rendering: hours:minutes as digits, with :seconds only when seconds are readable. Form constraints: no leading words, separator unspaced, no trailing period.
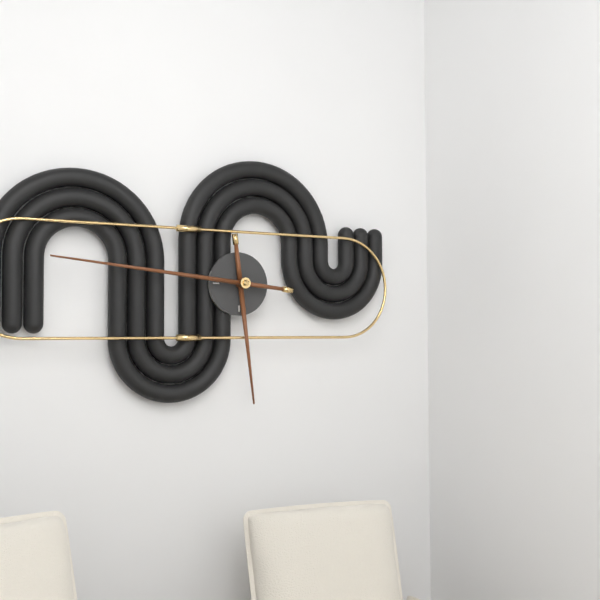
5:46
